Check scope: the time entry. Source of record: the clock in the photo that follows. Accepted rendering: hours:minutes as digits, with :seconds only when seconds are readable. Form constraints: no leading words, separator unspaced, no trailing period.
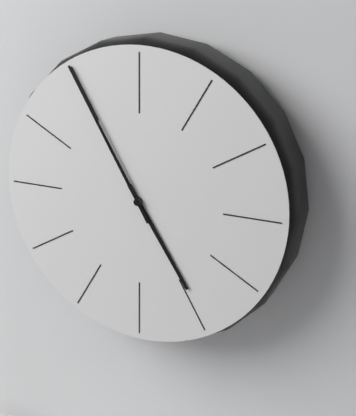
4:55
